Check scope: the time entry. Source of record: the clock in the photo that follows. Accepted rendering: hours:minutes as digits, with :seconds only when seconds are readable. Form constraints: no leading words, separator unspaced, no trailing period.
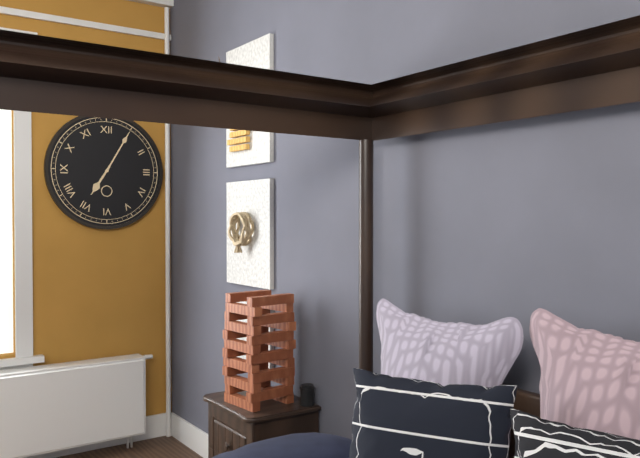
7:05
